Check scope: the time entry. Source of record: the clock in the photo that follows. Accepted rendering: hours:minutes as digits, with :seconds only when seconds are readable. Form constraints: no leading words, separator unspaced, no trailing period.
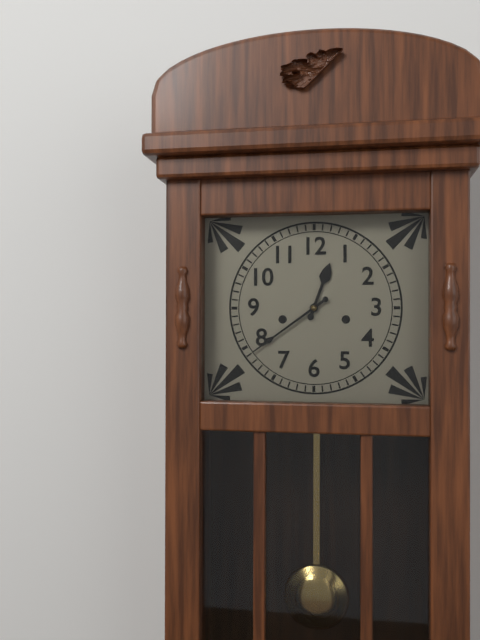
12:39
